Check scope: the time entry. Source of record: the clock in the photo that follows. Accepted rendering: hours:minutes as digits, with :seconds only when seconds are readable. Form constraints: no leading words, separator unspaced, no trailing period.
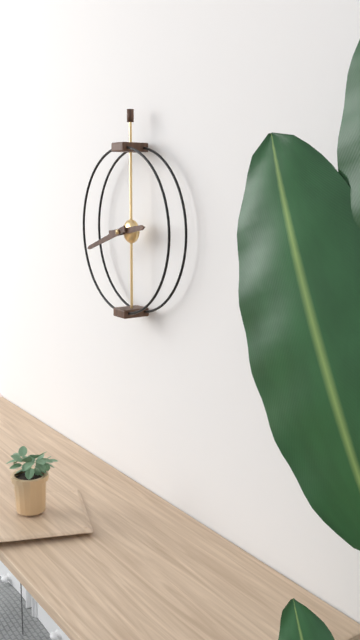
2:42
